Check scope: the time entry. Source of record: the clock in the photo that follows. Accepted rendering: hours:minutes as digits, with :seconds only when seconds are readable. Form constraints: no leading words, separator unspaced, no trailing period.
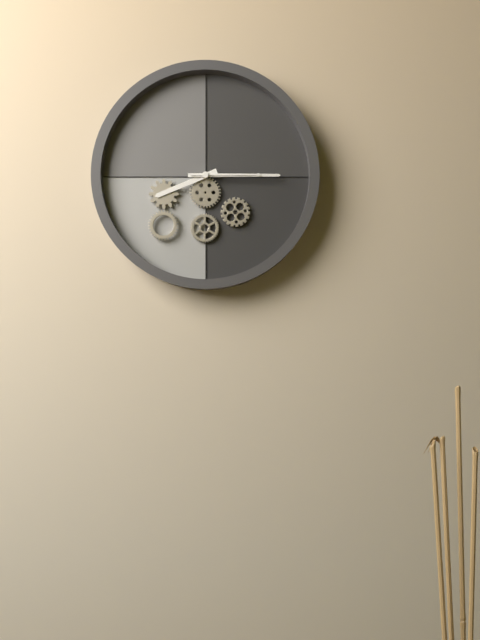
8:15:15
